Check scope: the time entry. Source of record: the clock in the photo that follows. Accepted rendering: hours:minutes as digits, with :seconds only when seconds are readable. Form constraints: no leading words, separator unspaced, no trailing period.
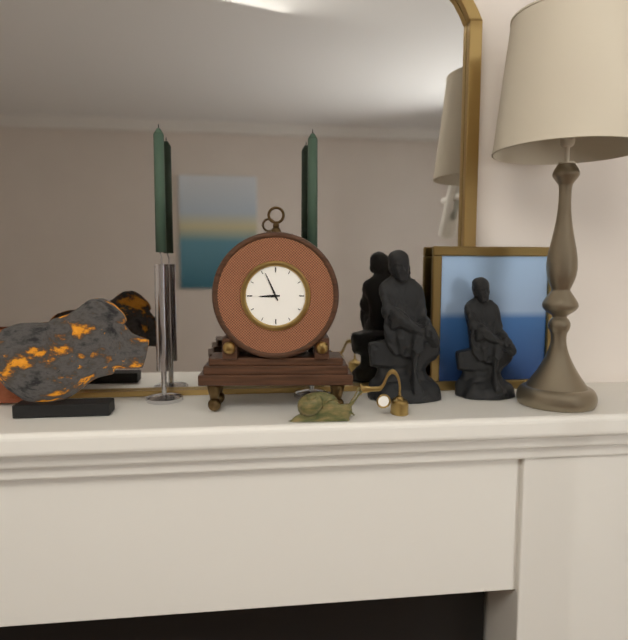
8:56
